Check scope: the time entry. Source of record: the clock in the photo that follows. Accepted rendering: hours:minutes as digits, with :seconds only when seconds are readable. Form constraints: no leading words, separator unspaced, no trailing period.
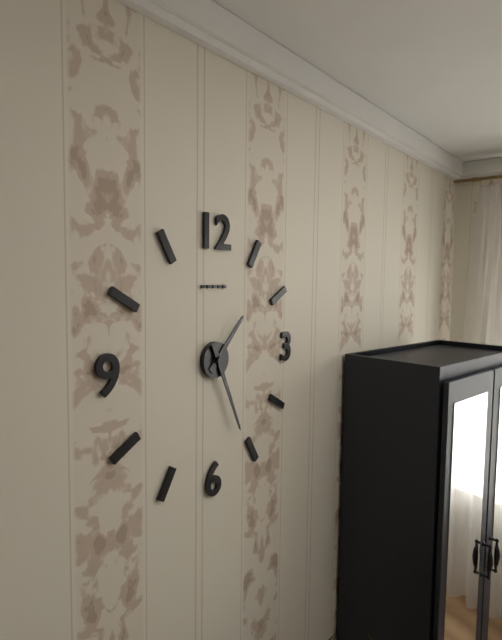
1:26
